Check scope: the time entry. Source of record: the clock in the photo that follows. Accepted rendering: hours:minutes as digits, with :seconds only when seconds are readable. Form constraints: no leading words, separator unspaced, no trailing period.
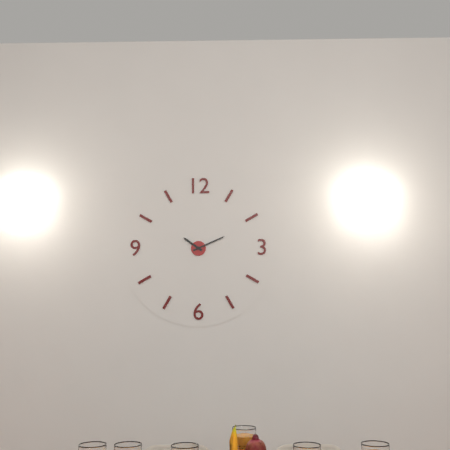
10:11
